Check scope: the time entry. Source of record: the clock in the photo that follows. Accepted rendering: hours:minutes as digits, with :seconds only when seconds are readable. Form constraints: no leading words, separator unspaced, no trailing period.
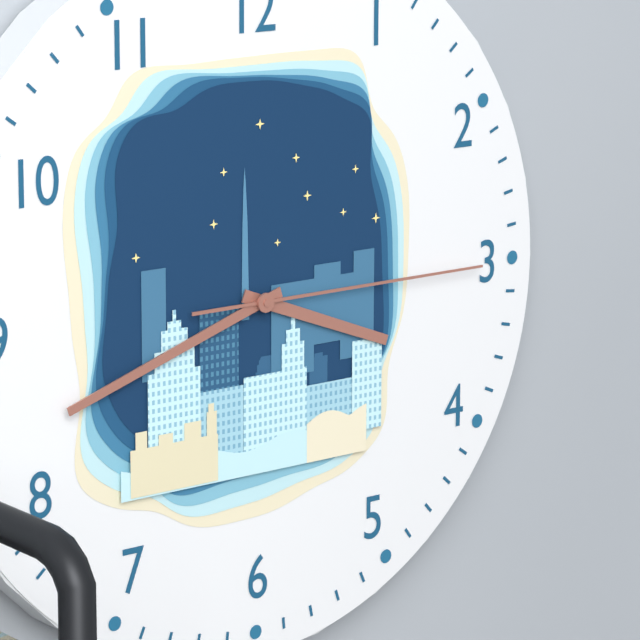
3:42:15
